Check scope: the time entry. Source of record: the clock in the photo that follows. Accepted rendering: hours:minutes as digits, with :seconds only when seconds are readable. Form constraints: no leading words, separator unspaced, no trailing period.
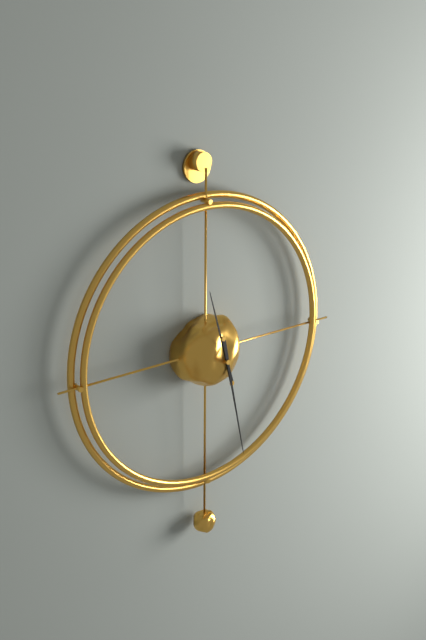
11:28
